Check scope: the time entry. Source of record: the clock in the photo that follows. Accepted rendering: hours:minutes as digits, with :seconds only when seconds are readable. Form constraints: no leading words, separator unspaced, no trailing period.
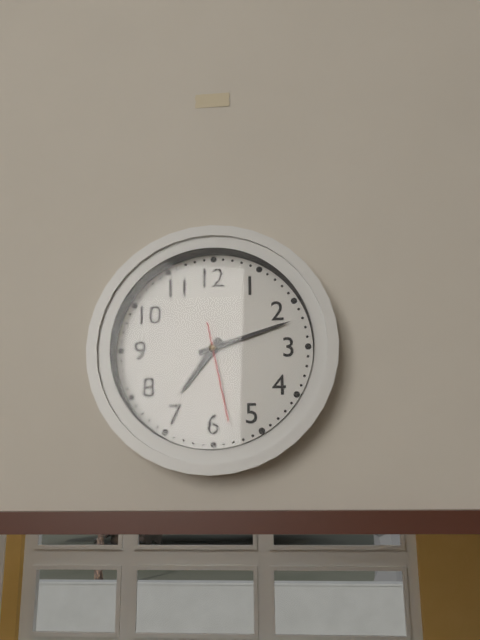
7:12:28
